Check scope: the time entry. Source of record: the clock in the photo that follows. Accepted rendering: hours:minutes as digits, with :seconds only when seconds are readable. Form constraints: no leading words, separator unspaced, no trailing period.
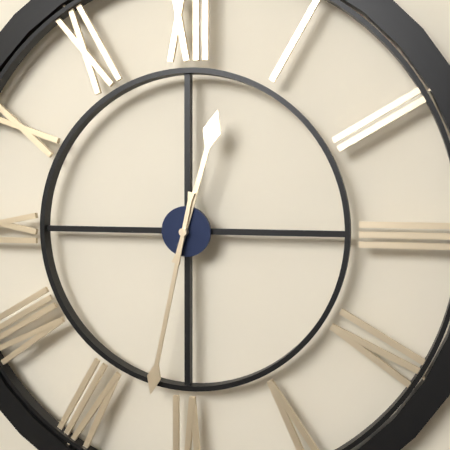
12:32
